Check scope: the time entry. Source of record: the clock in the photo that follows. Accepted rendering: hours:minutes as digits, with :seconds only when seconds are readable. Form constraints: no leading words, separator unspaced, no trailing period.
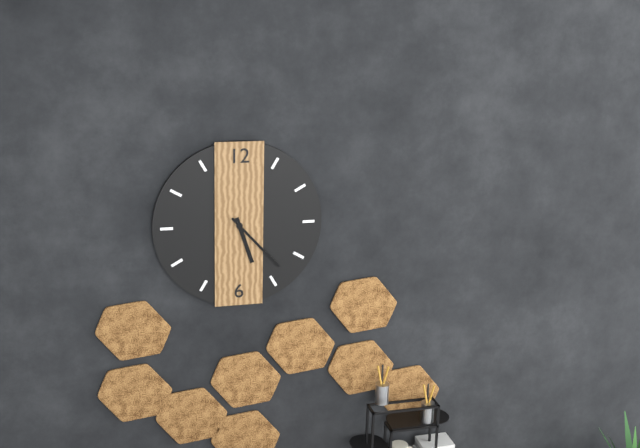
5:23
